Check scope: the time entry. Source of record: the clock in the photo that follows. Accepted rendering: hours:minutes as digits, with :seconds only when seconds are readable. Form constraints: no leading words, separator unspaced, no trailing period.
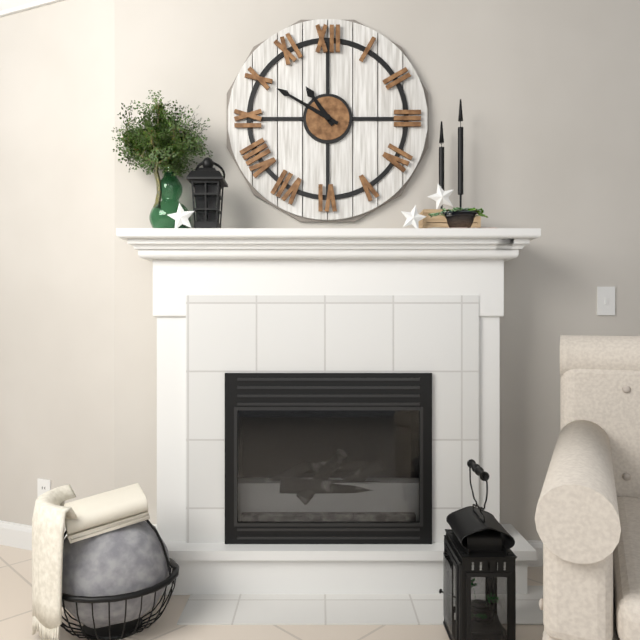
10:50
